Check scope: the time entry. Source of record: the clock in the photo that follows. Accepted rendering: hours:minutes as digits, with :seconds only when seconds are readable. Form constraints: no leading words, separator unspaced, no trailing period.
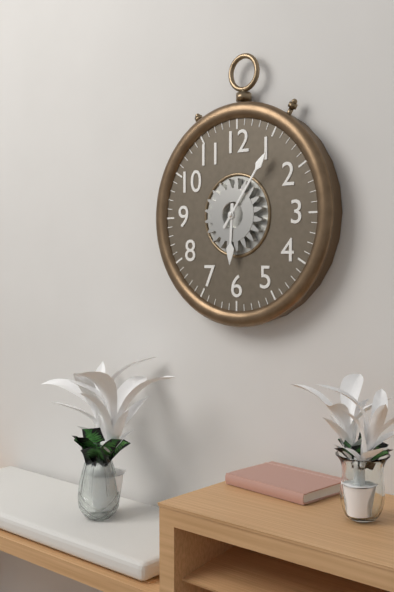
6:06
